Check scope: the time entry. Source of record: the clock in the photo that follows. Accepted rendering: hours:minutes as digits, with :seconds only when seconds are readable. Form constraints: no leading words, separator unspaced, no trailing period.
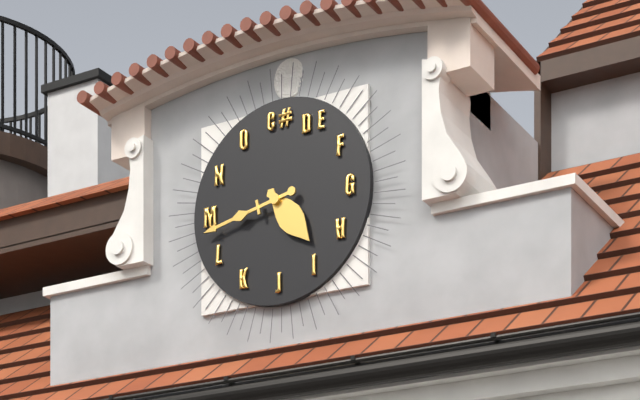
4:43
